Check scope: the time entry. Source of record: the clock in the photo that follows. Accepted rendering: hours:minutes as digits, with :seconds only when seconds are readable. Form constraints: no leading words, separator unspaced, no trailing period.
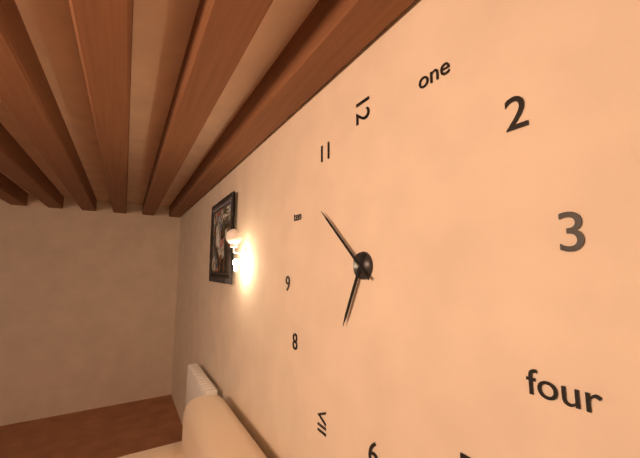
6:52
